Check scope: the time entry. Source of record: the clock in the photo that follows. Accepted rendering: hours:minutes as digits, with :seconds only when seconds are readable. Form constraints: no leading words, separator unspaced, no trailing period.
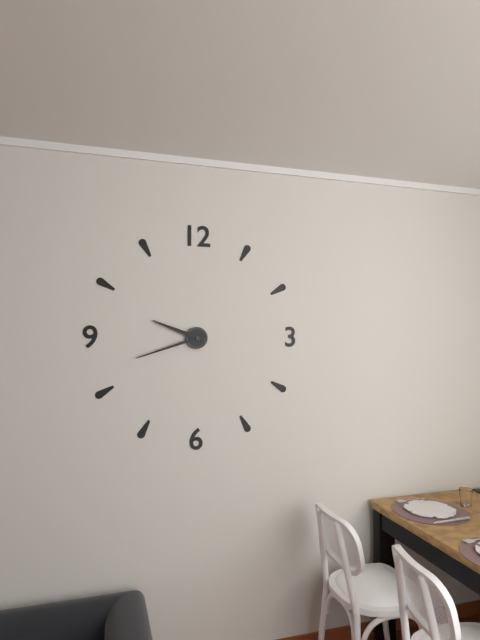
9:42
